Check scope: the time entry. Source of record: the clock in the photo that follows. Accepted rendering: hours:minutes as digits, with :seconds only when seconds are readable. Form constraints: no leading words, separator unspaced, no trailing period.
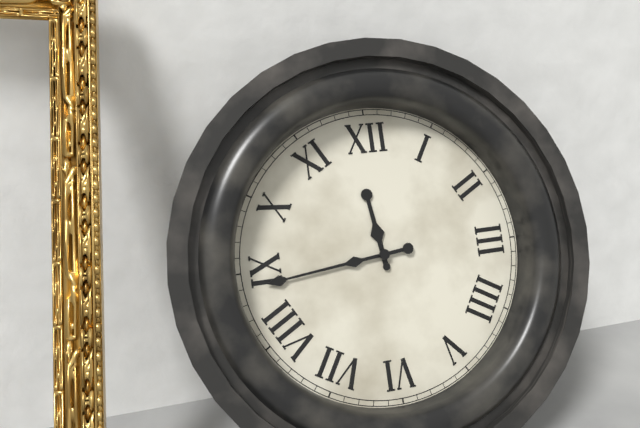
11:44
